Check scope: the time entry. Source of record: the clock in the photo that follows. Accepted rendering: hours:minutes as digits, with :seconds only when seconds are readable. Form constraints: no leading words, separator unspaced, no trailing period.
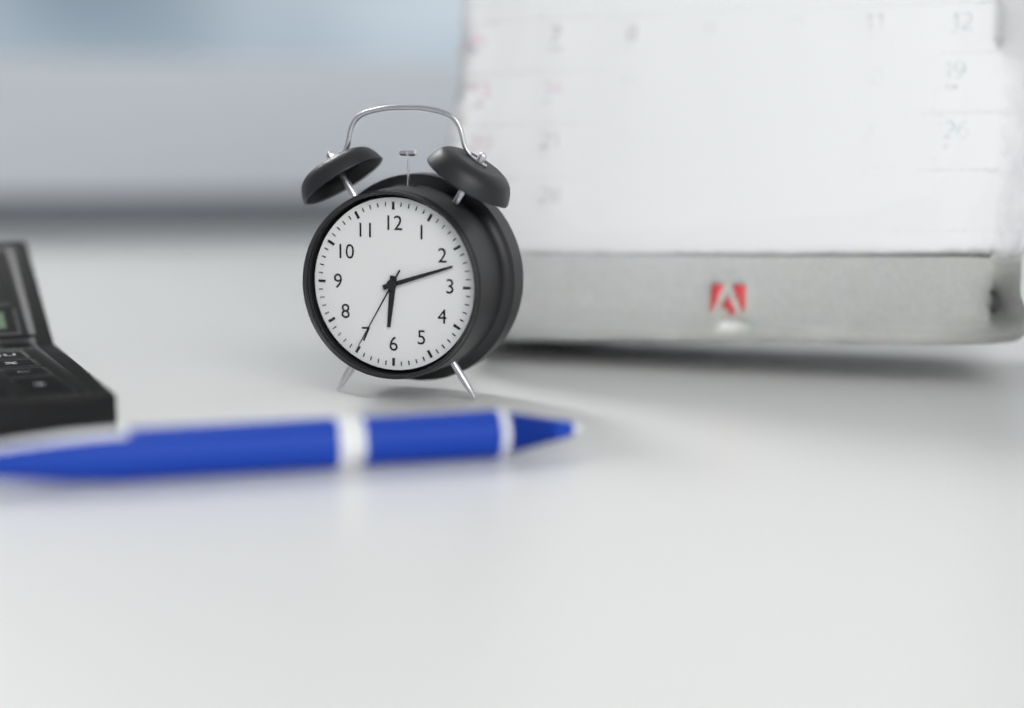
6:12:35
